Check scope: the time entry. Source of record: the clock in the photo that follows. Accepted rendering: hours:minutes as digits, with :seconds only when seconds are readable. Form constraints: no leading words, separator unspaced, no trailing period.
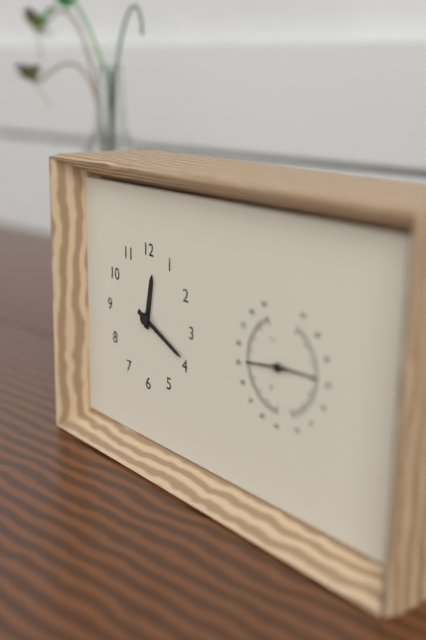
12:19
